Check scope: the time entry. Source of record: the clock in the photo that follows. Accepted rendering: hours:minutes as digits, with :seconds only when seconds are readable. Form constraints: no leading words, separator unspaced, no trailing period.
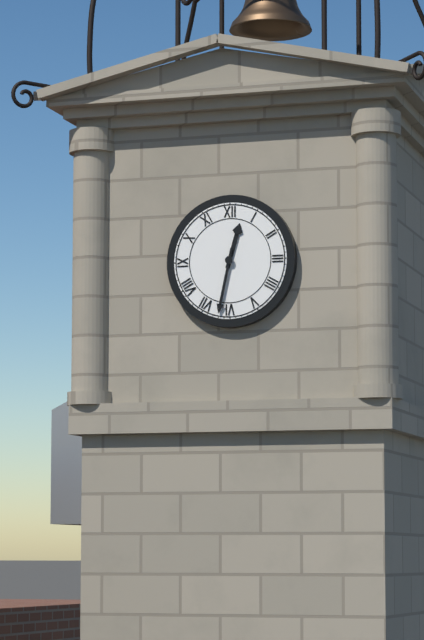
12:32
